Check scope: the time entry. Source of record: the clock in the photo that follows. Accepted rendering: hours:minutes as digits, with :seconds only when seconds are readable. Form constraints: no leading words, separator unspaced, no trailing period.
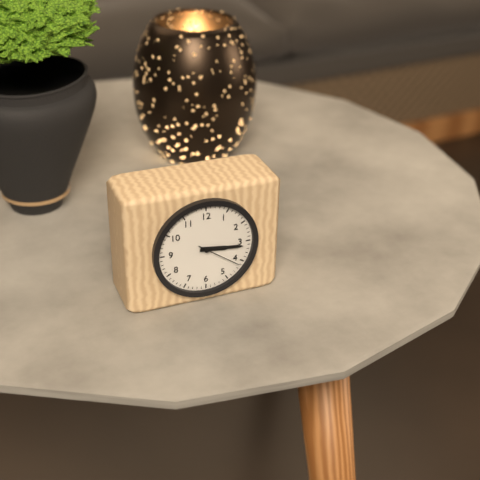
3:16
